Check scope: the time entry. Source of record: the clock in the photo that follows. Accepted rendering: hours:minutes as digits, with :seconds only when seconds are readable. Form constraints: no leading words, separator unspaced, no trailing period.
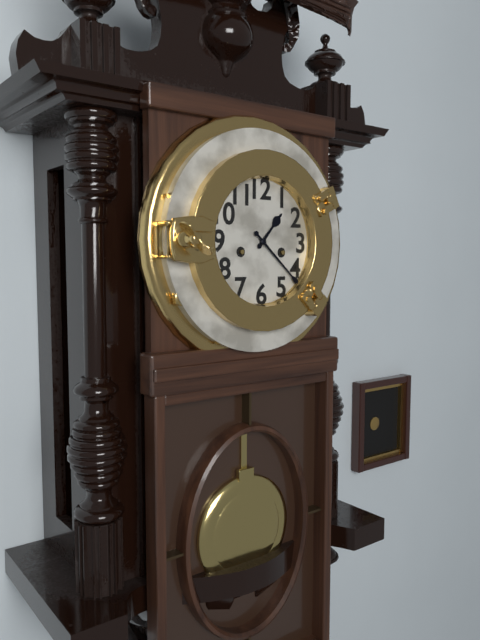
1:22
